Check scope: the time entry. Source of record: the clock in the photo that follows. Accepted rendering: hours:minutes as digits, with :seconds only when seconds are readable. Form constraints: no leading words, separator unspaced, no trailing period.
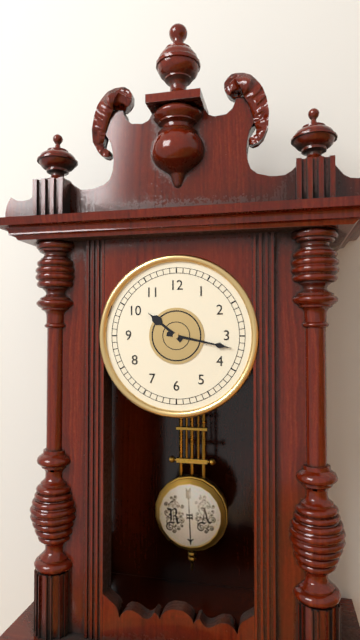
10:17
